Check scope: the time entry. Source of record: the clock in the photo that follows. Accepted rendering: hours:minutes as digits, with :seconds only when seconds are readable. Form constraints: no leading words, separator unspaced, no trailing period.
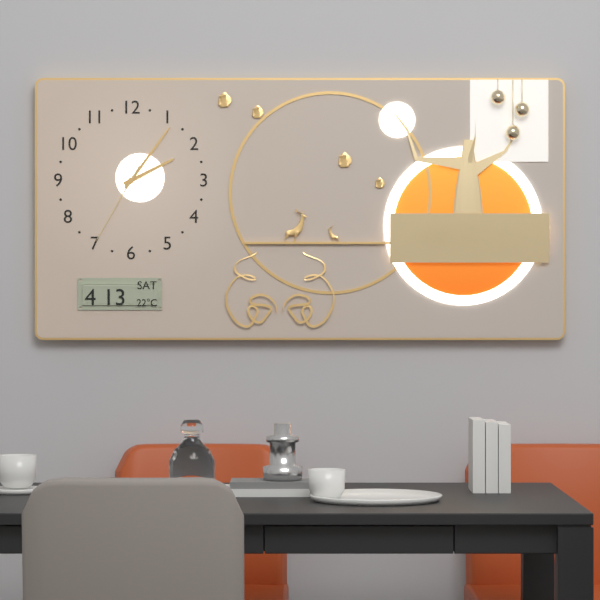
2:06:35
